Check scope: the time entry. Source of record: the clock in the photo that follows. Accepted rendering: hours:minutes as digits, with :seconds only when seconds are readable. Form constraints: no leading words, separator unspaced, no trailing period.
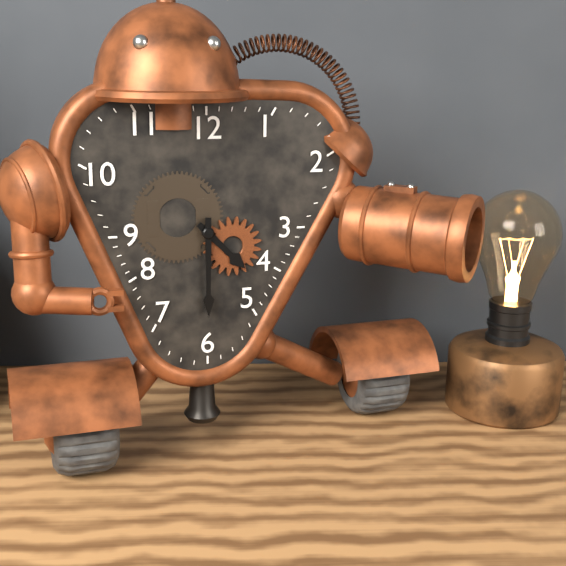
4:30
